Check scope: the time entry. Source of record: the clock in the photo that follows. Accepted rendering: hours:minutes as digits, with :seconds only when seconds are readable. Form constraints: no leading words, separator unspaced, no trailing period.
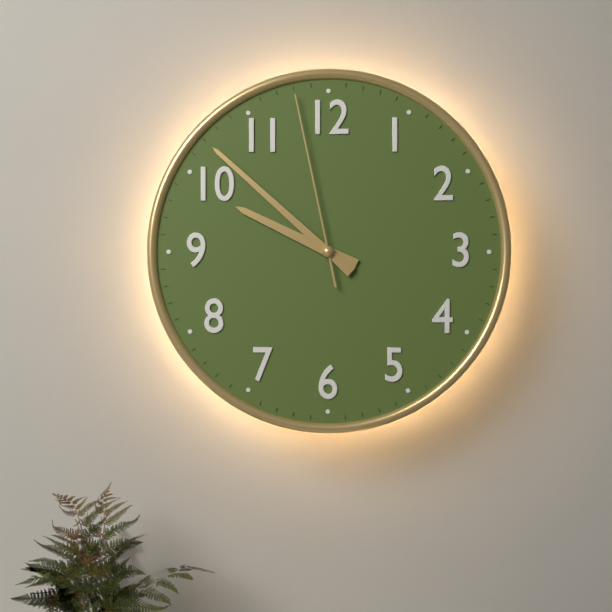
9:52:58
